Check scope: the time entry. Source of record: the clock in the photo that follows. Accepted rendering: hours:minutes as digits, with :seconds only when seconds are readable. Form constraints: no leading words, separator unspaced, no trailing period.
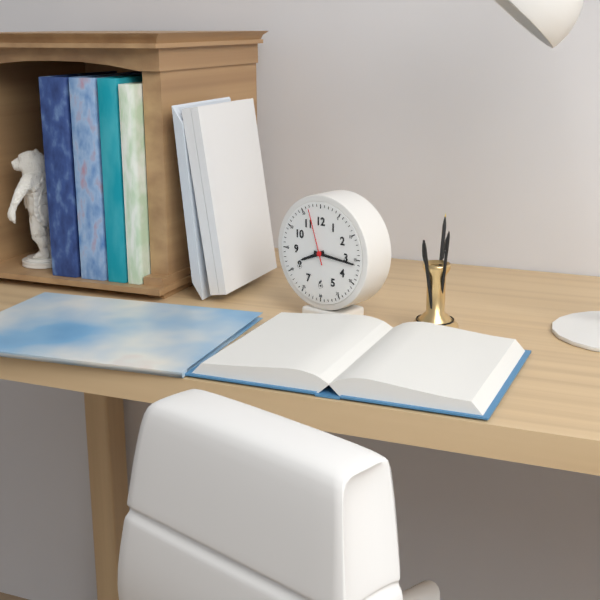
8:16:57
